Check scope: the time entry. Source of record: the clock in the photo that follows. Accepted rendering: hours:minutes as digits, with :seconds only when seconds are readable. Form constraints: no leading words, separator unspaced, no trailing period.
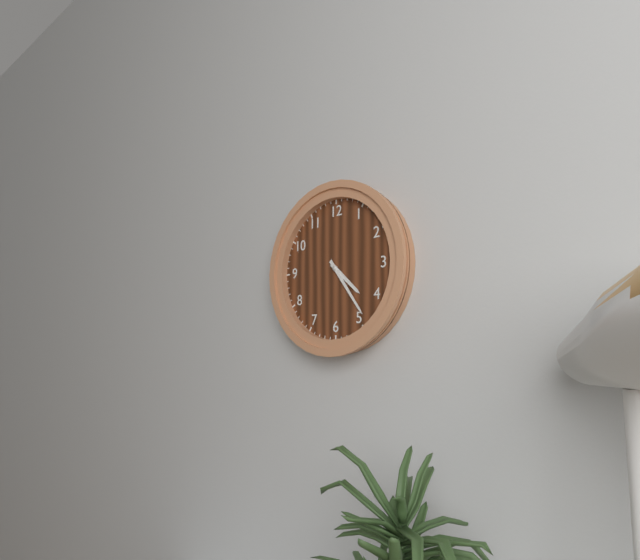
4:24
